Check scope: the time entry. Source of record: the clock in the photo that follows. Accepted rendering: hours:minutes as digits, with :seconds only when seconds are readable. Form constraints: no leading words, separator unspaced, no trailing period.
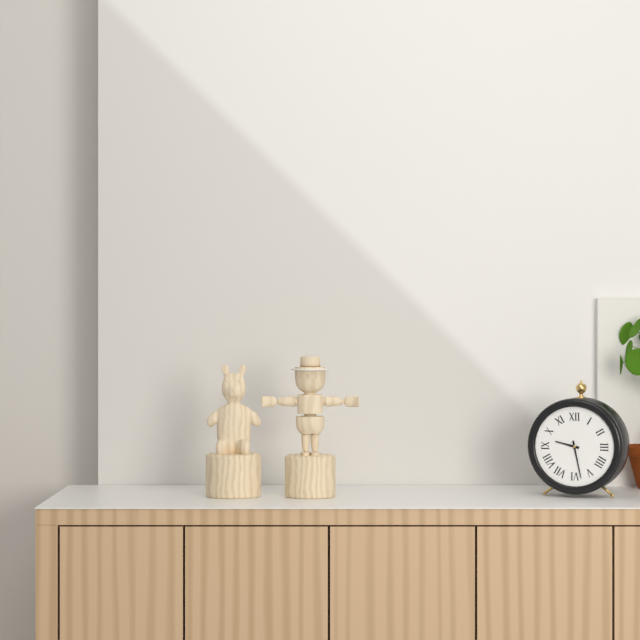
9:28
